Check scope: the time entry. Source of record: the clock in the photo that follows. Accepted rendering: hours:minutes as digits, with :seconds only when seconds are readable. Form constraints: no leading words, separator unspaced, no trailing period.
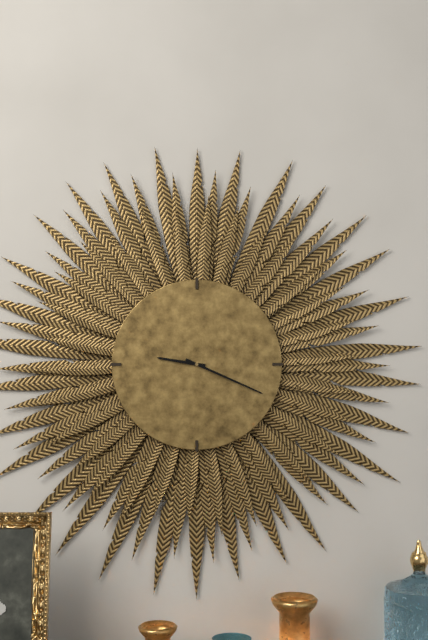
9:19
